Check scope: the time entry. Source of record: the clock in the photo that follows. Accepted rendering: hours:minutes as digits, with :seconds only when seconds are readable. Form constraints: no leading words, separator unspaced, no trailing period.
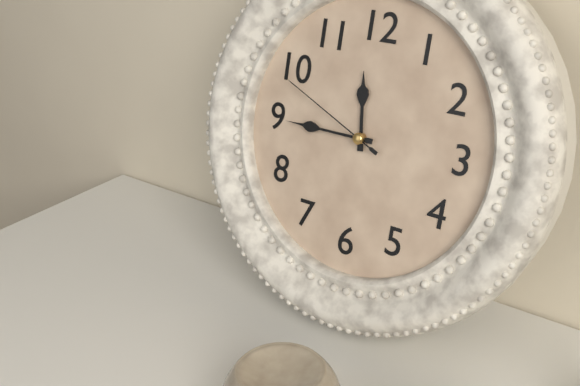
11:45:49
